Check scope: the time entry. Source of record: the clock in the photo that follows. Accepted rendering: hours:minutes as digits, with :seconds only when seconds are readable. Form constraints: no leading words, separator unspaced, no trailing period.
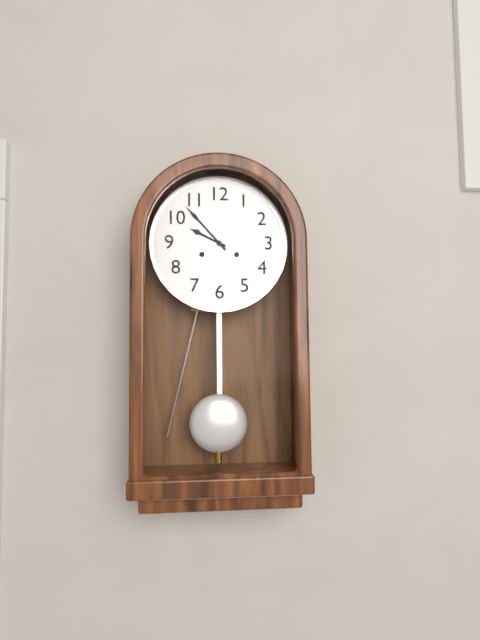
9:53
